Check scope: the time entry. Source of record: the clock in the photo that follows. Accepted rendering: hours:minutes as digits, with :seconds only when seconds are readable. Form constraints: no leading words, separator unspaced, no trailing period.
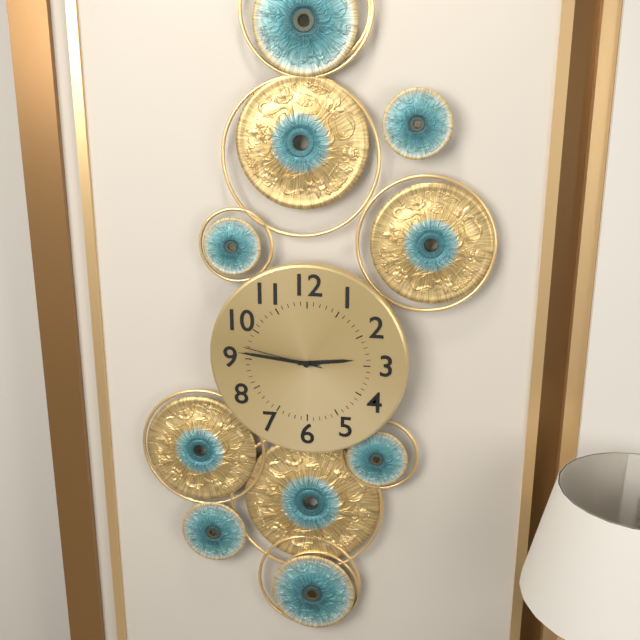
2:46:47
